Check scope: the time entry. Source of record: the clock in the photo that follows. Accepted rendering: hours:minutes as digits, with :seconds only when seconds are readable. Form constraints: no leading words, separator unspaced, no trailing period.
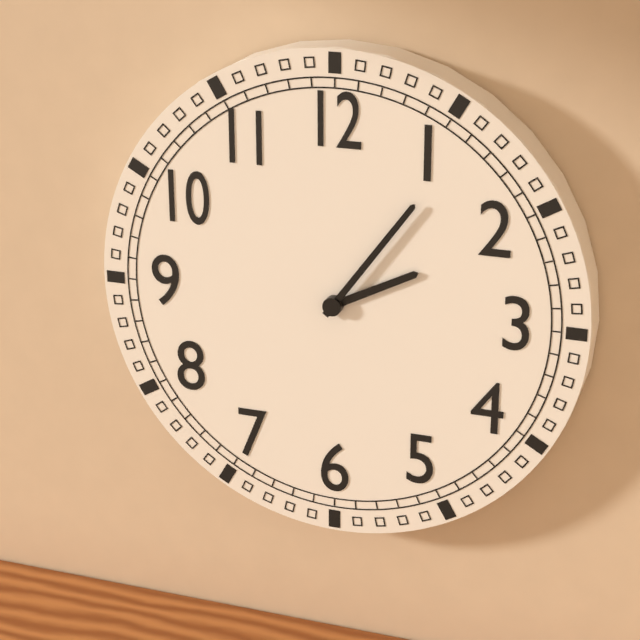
2:06
